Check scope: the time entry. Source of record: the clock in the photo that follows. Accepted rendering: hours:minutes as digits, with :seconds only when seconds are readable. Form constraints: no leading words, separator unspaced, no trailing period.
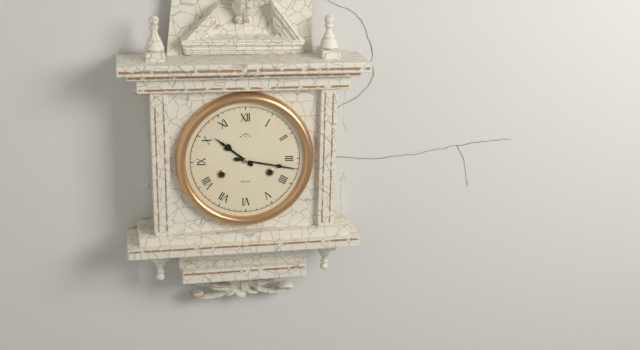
10:17
